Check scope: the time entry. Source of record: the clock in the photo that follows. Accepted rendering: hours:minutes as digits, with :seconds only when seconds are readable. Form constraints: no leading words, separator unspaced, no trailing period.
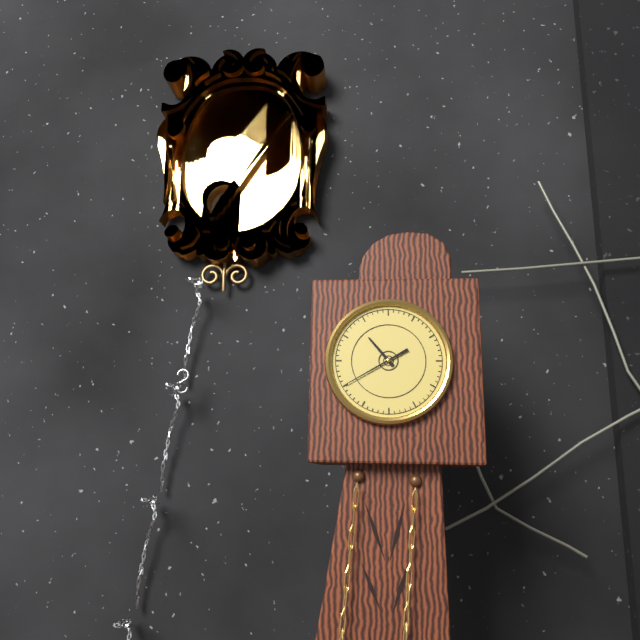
10:40
